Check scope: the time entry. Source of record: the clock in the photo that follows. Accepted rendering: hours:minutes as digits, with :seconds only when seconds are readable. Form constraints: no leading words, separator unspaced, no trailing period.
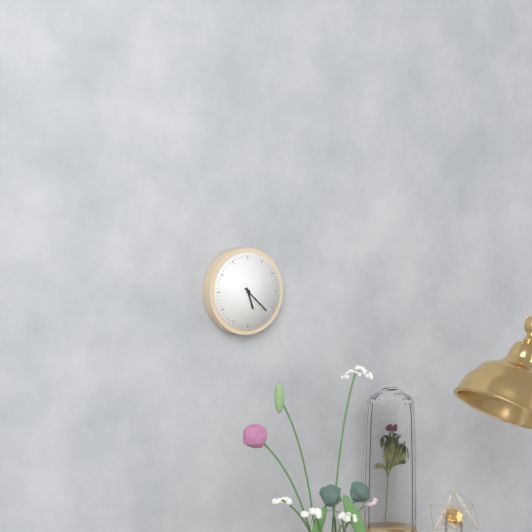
5:22
